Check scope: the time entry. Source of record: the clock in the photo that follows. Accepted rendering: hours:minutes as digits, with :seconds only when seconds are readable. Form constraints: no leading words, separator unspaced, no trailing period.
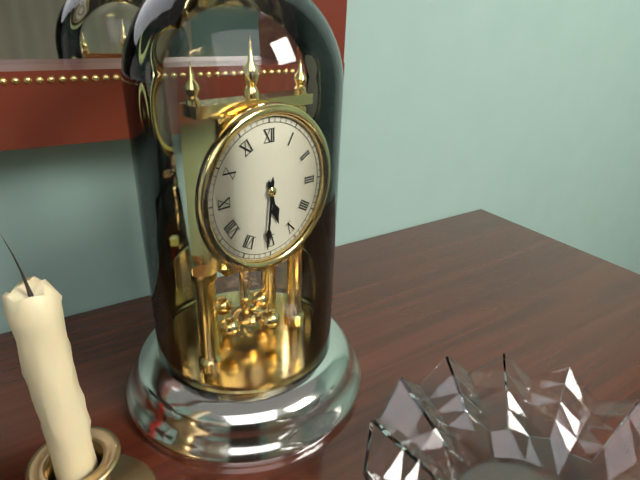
5:31
